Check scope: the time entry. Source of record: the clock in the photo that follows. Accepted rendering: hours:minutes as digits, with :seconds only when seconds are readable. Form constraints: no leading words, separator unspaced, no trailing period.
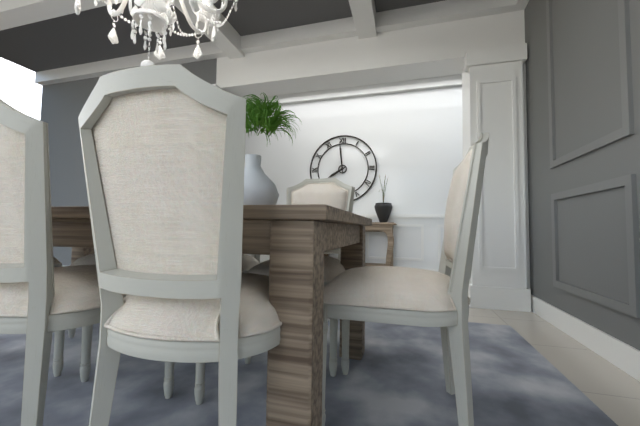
7:59
